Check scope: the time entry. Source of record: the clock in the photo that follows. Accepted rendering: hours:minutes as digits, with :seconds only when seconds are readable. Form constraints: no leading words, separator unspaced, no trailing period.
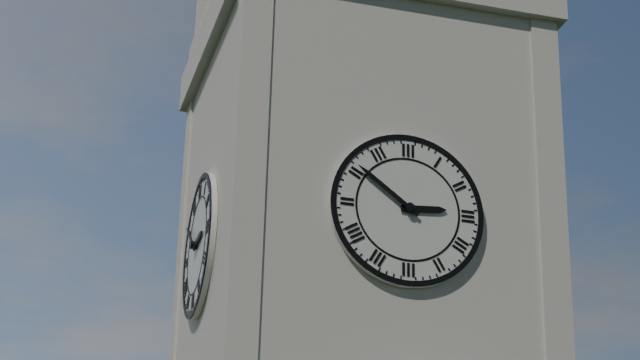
2:51
